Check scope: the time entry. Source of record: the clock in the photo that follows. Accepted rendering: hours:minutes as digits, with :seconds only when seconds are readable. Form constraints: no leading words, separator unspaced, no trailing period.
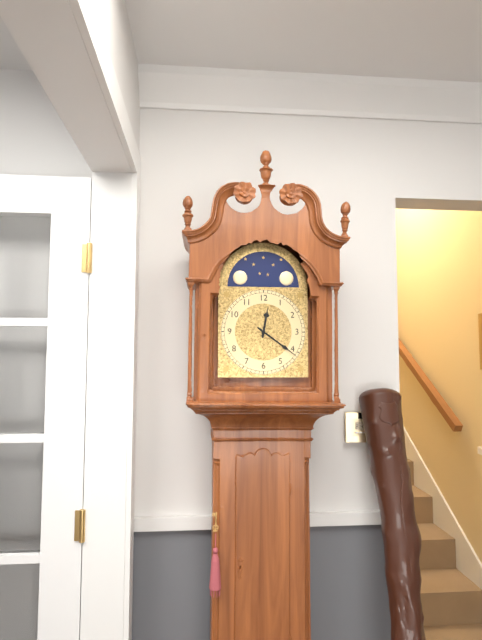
12:21
